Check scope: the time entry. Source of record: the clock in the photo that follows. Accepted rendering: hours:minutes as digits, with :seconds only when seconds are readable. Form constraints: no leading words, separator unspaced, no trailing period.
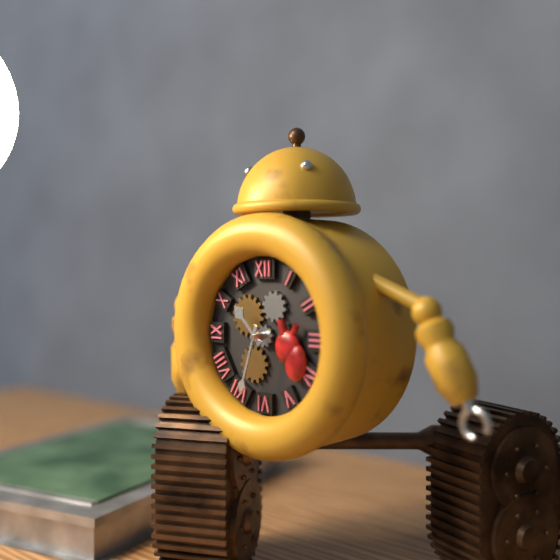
10:33
